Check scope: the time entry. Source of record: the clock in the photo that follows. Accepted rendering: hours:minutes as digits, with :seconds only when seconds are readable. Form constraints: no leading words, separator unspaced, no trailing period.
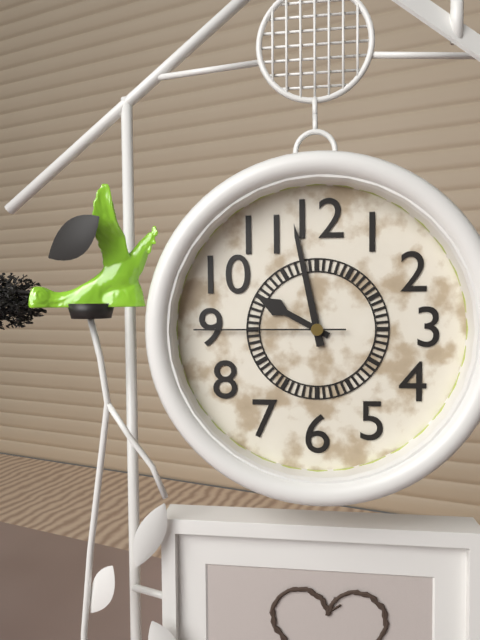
9:58:45
